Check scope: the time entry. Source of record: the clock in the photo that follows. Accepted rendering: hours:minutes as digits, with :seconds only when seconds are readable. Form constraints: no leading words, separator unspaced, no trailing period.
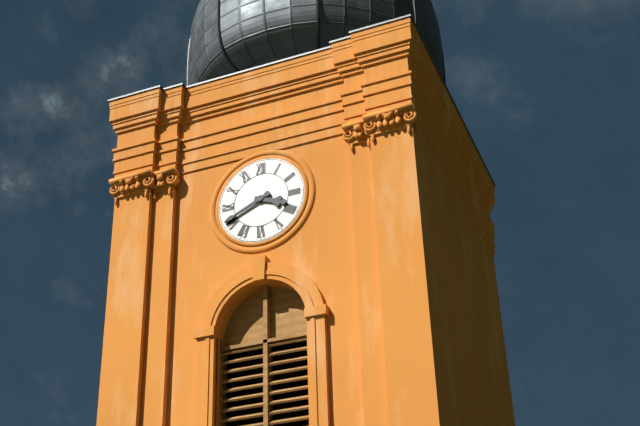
3:41
